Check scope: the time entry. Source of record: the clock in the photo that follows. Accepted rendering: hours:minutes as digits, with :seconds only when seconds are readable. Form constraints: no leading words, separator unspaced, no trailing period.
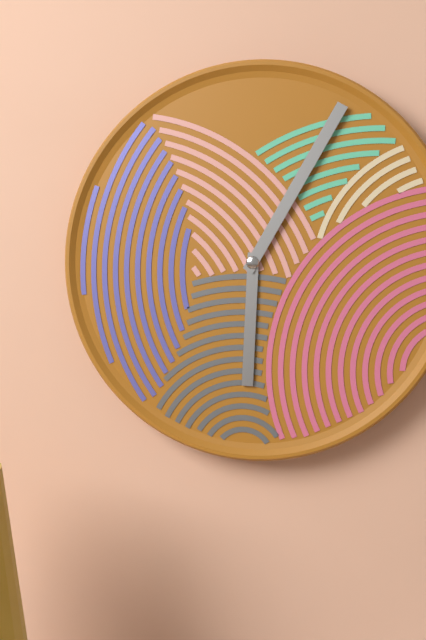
6:05
